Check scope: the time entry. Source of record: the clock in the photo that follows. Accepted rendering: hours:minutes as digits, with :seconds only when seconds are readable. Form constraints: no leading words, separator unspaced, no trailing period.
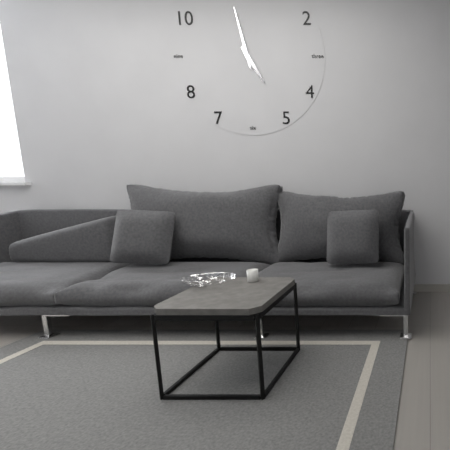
4:58
